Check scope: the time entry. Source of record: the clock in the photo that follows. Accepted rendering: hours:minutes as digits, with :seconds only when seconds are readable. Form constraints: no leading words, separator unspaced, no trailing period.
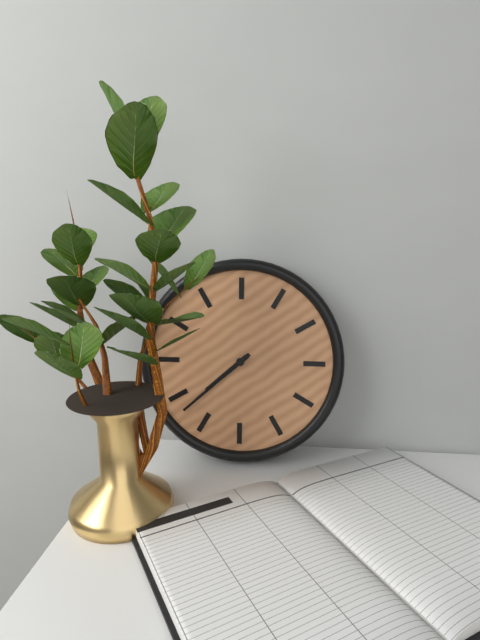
7:38
